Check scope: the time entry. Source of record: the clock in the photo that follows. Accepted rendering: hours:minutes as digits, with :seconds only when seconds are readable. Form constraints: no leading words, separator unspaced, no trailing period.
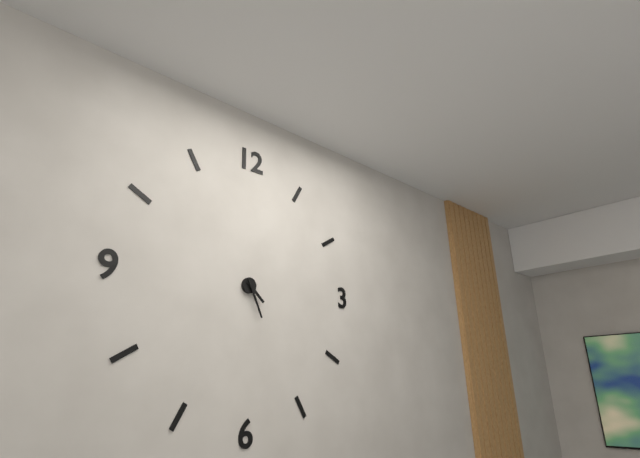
4:26
